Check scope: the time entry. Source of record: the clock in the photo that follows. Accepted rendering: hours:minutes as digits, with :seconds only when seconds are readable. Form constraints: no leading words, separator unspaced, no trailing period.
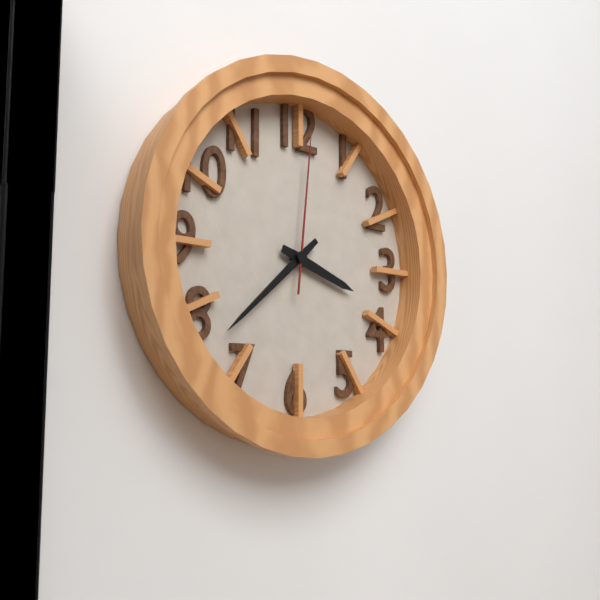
3:38:01
